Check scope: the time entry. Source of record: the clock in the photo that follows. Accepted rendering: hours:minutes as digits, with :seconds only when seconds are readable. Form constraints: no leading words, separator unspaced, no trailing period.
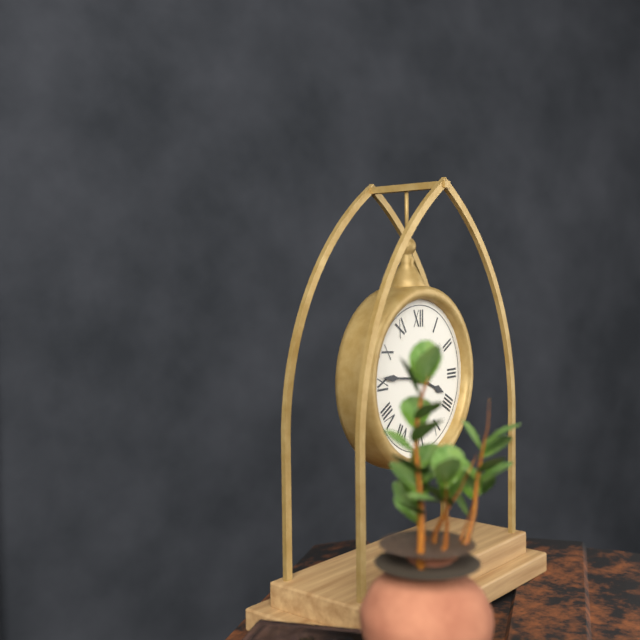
3:46
